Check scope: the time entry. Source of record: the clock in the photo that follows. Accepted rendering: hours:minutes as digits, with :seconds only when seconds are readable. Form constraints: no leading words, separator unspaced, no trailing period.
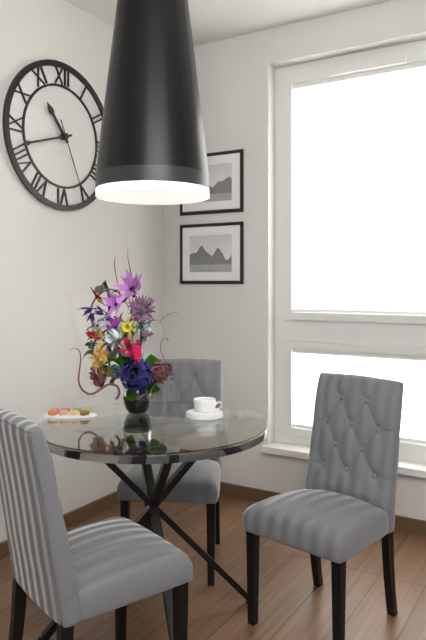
10:42:26
